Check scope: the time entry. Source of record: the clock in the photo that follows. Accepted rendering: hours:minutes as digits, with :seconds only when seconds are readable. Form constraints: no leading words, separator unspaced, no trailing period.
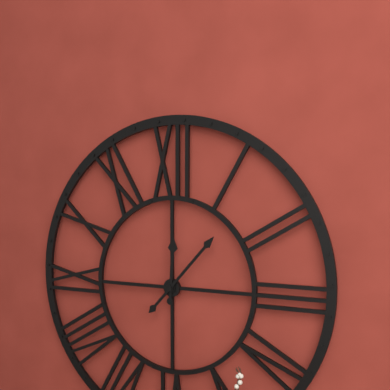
12:07
